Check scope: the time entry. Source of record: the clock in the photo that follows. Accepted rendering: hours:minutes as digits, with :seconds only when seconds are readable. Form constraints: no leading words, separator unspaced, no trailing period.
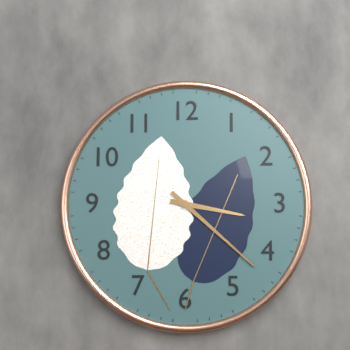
3:22
